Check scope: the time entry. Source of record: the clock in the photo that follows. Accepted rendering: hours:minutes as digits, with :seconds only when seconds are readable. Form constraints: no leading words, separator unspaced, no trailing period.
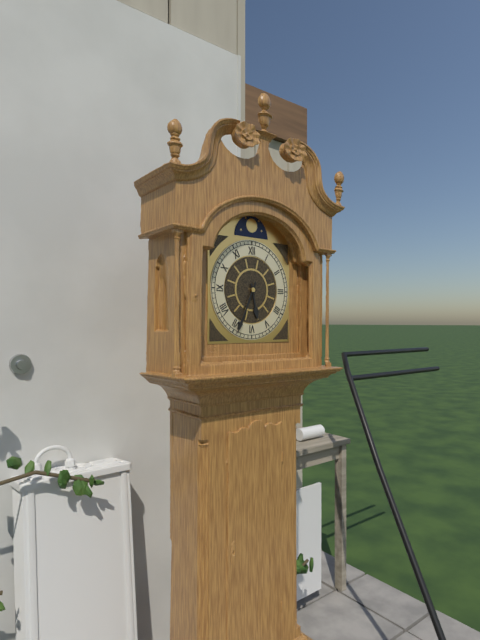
5:34
